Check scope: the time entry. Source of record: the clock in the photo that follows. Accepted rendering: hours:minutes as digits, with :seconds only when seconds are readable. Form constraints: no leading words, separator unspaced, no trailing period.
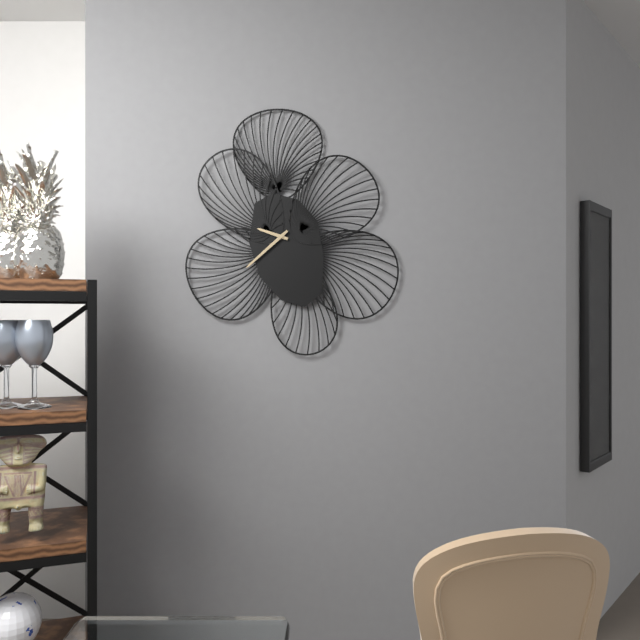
9:38
